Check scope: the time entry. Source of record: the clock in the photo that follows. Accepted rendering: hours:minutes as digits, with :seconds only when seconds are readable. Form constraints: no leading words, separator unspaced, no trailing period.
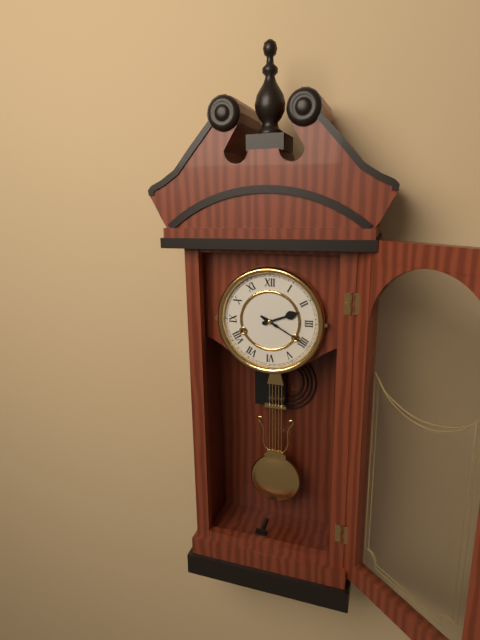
2:20
